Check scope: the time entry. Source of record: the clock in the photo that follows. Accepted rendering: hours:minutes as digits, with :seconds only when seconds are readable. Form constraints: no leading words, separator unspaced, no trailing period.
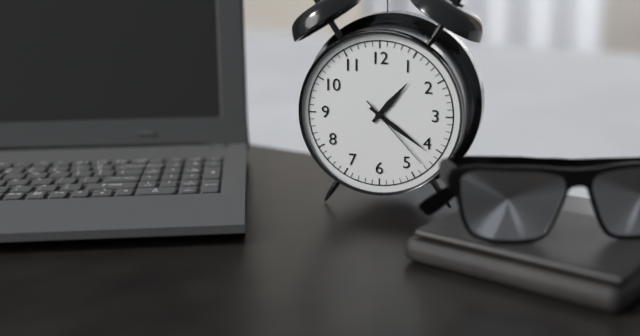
1:21:23
